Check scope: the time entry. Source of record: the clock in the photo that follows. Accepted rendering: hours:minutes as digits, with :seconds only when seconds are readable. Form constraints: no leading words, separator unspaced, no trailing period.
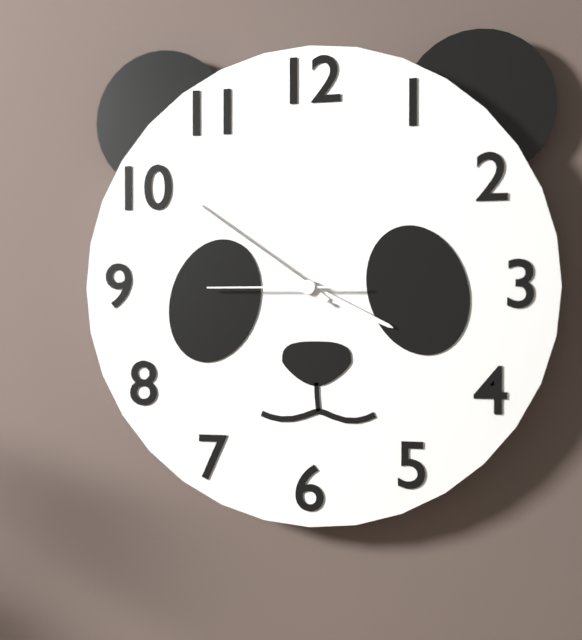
3:51:45
